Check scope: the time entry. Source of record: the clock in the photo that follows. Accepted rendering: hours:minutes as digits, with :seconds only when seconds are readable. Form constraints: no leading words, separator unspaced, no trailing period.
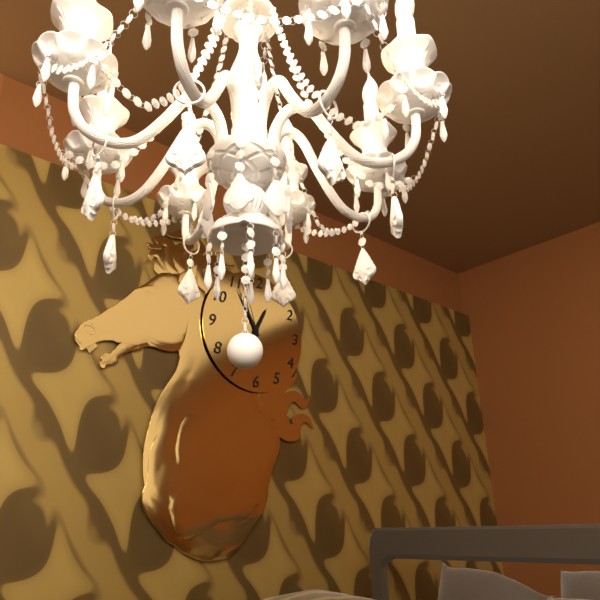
12:55
